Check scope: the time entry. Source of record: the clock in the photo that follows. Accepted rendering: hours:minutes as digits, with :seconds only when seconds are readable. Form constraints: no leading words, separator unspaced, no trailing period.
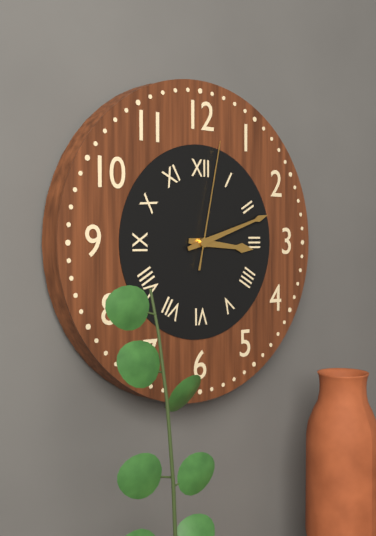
3:12:02
